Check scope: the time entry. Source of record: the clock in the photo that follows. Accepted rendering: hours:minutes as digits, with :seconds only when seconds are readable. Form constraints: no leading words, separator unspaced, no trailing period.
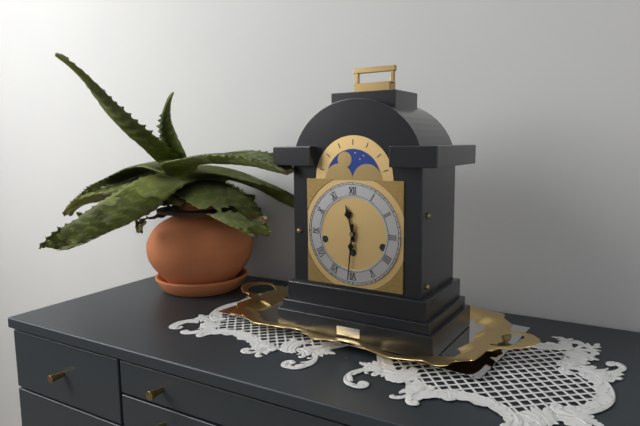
11:31
